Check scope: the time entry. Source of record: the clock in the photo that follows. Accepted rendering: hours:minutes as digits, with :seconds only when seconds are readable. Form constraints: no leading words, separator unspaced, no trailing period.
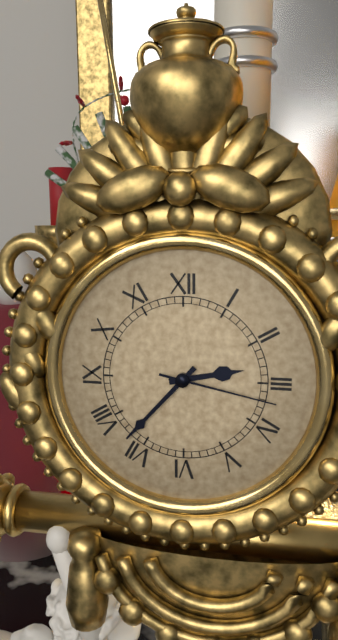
2:37:17
